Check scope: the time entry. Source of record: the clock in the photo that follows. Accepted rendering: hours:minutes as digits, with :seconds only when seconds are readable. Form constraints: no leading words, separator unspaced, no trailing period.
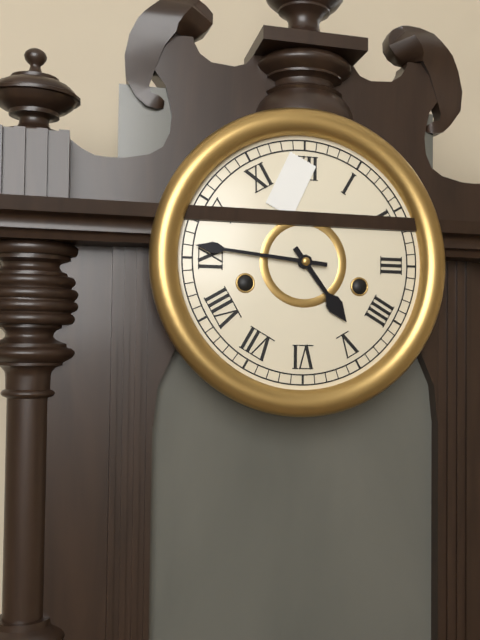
4:46
